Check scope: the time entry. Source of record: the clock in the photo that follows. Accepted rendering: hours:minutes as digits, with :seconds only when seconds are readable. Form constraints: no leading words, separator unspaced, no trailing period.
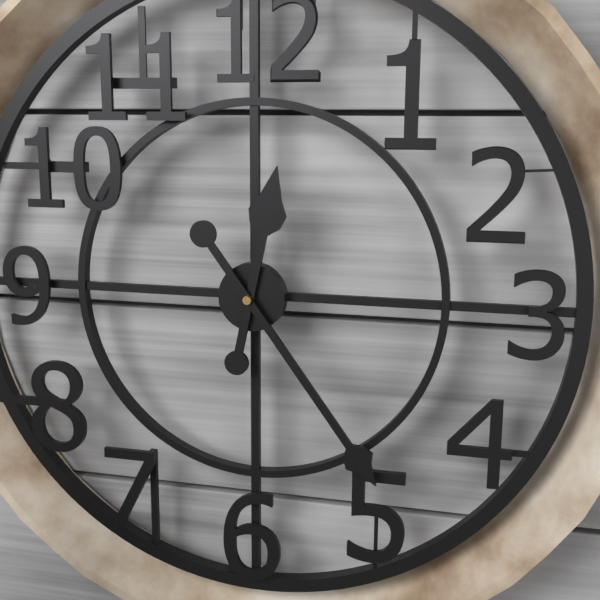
12:24
